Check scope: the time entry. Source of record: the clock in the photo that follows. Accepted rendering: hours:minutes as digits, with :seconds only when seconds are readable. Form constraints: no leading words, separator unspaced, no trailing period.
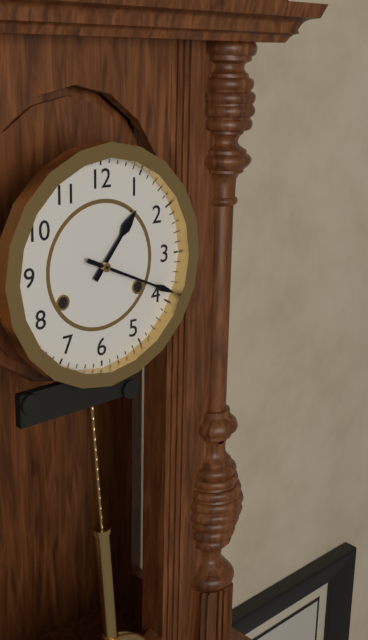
1:19
